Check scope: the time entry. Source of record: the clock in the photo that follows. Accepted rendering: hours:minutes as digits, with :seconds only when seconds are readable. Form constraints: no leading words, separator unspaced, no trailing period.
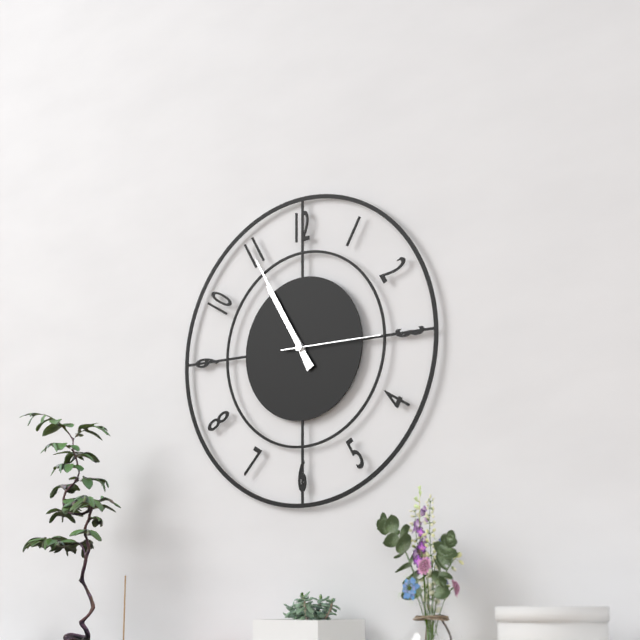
10:55:15
